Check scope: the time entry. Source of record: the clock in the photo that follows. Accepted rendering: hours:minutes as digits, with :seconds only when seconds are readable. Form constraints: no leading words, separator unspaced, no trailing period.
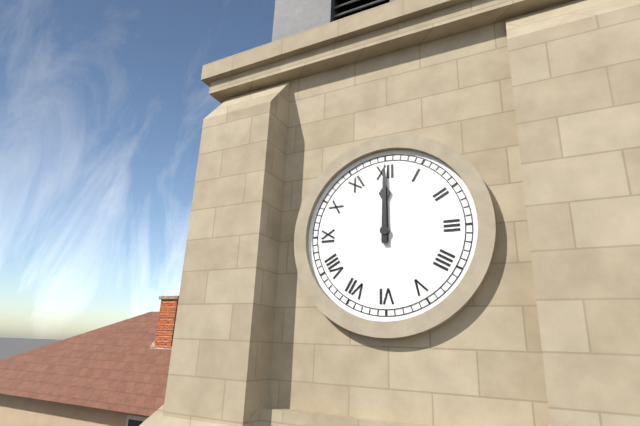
12:00
